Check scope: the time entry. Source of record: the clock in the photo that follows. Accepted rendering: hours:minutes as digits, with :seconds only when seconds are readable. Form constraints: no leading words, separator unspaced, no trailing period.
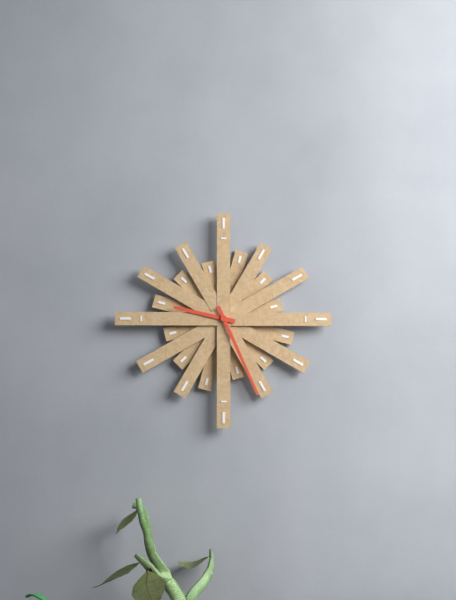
9:26
